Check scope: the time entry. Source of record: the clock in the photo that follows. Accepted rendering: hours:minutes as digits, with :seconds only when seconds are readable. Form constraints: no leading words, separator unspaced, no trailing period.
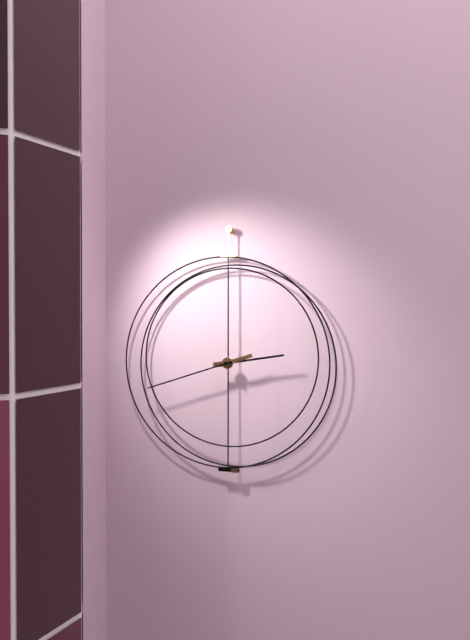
2:42
